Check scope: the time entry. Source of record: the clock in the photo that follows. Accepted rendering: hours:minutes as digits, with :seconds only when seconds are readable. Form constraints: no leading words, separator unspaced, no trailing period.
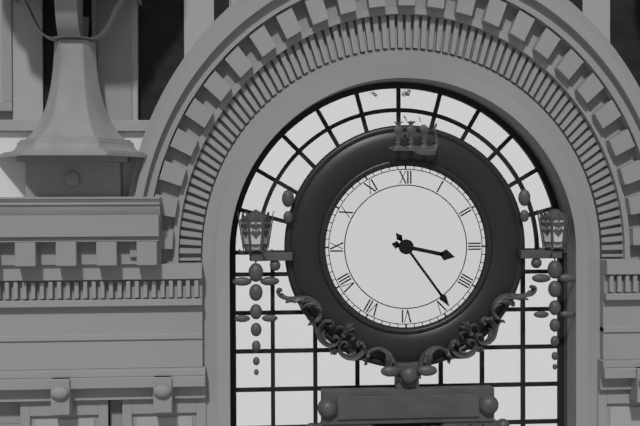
3:24
